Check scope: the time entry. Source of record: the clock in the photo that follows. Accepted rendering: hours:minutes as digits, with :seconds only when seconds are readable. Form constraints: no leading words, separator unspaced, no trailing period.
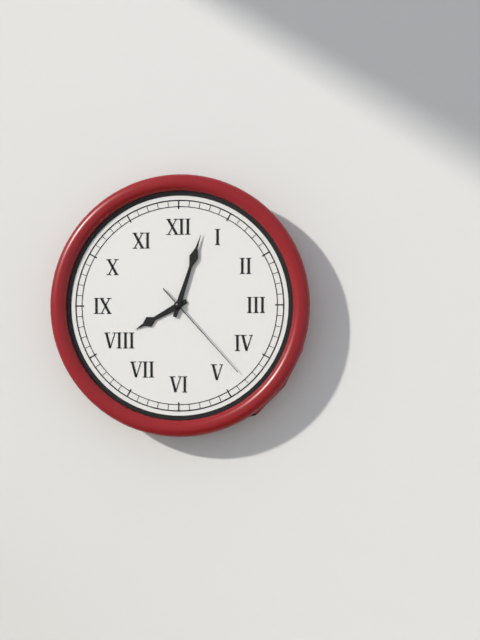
8:03:23
